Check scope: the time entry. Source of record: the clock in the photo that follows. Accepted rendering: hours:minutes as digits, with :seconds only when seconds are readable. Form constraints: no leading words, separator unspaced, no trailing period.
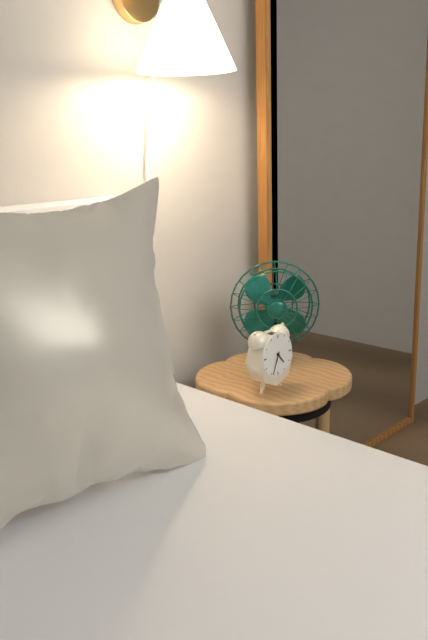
4:34
